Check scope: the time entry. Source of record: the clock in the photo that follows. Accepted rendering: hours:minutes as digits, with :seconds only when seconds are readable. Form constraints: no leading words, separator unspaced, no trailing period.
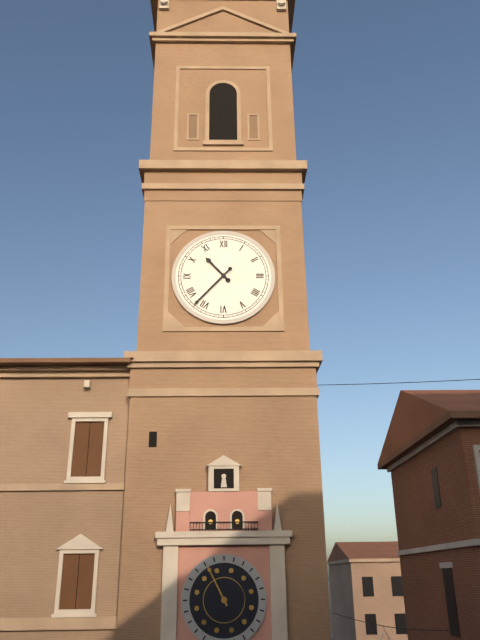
10:37
